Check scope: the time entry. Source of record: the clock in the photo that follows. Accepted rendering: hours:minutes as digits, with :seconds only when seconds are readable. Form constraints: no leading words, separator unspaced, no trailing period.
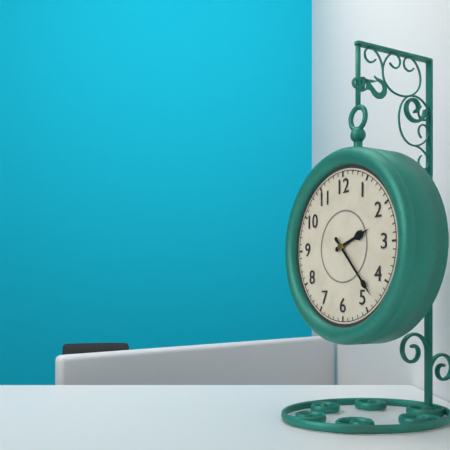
2:23
